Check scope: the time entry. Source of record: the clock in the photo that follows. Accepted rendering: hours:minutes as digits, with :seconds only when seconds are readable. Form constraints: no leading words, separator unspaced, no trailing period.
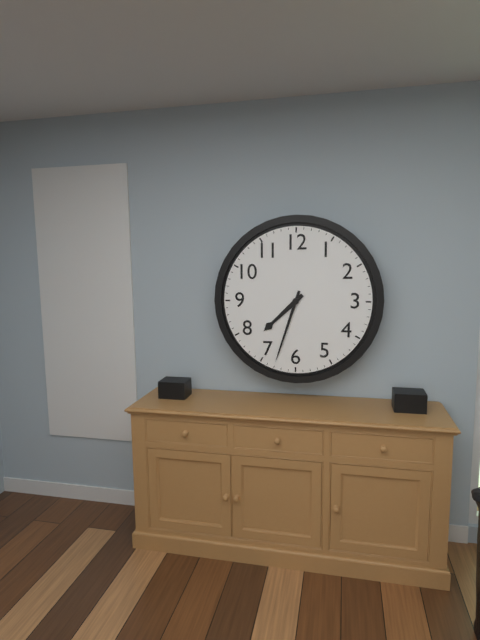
7:33
